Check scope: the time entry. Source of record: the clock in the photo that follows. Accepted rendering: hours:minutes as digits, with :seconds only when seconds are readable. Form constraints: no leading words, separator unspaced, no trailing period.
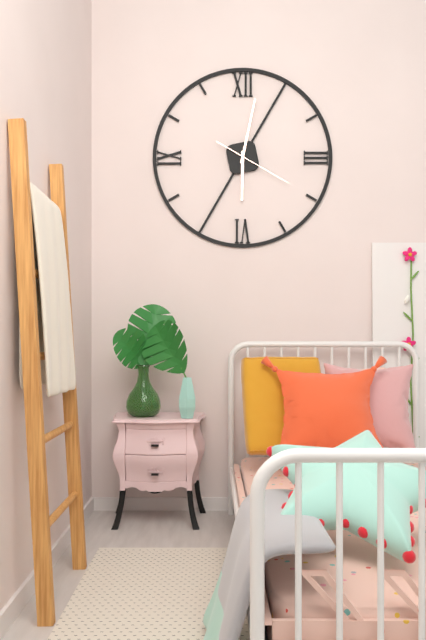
6:02:20
